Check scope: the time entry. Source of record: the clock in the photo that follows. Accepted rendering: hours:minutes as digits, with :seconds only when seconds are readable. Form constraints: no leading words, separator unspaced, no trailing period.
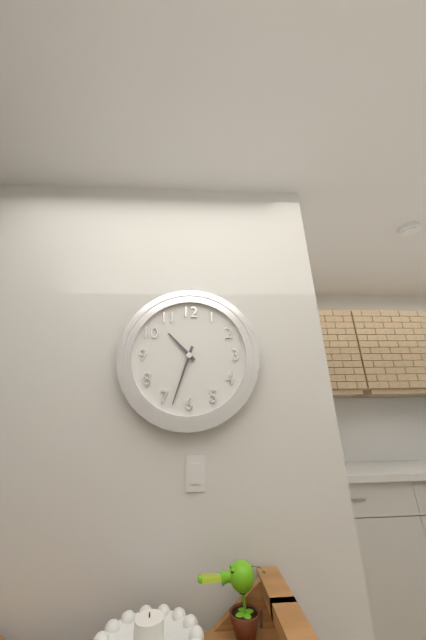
10:33
